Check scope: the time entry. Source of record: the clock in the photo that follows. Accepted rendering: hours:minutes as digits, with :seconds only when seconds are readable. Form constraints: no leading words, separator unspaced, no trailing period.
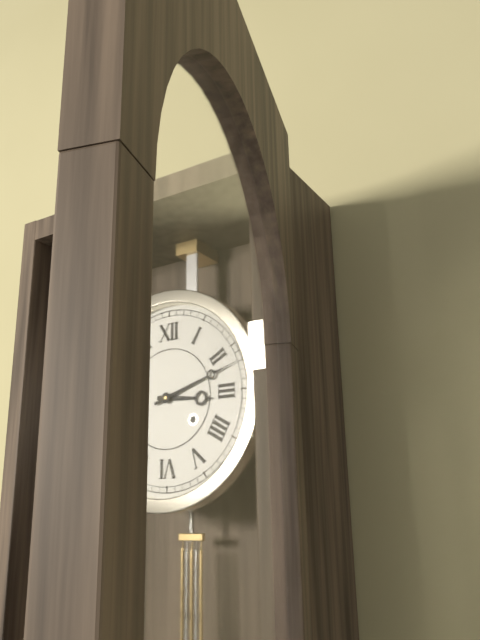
3:12
